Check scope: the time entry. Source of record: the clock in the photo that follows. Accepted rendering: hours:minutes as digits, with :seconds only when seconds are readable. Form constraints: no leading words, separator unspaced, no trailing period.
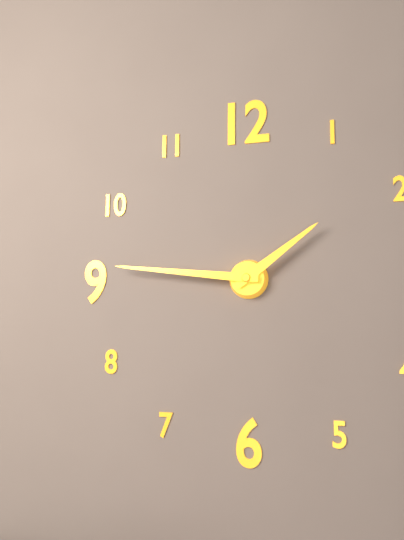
1:46
